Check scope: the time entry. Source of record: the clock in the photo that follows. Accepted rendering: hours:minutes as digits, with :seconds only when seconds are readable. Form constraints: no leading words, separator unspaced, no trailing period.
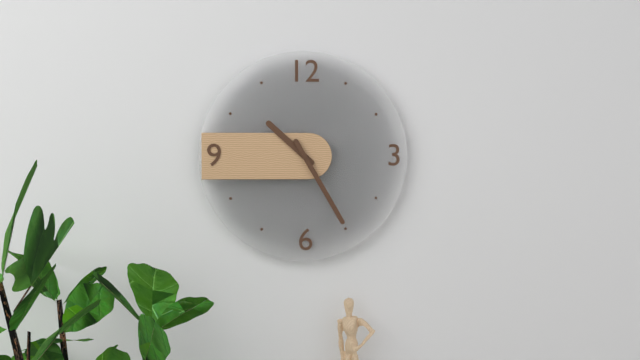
10:25
